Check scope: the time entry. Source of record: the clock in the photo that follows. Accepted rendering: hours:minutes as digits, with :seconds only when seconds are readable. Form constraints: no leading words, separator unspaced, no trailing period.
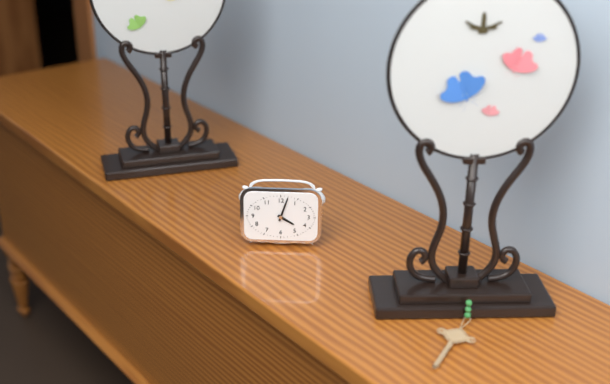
4:03
